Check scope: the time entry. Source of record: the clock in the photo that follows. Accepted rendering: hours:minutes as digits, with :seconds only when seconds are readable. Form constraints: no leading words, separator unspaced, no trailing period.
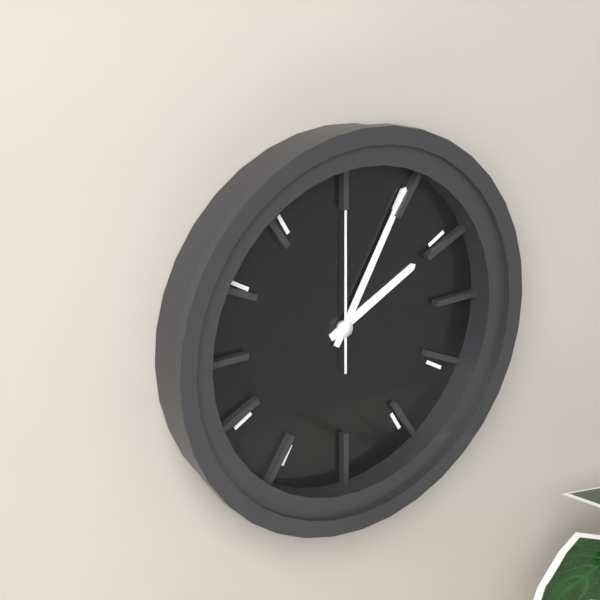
2:05:00
